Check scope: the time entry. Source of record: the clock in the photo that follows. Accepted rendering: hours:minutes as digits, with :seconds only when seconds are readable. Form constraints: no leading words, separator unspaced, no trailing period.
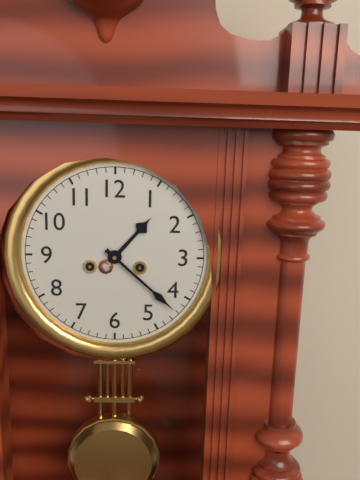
1:22
